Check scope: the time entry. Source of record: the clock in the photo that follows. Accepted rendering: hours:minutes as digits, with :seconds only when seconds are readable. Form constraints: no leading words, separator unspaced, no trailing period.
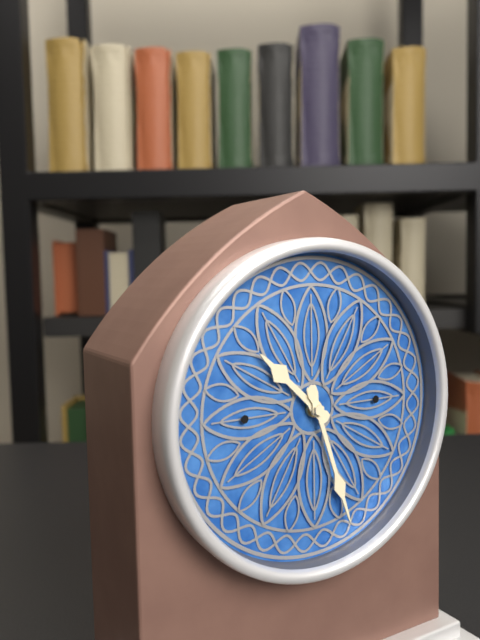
10:27
